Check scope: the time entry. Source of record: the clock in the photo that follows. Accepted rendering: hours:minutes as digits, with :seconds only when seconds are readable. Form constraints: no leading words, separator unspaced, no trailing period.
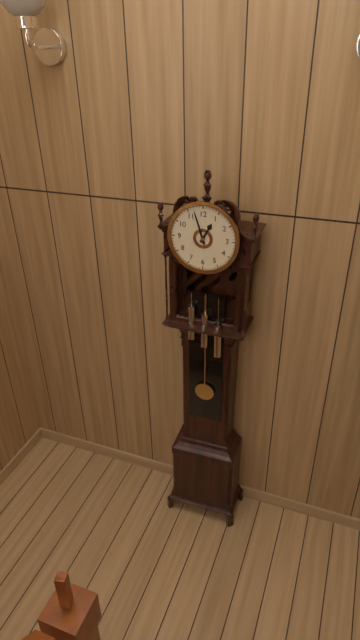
12:57
